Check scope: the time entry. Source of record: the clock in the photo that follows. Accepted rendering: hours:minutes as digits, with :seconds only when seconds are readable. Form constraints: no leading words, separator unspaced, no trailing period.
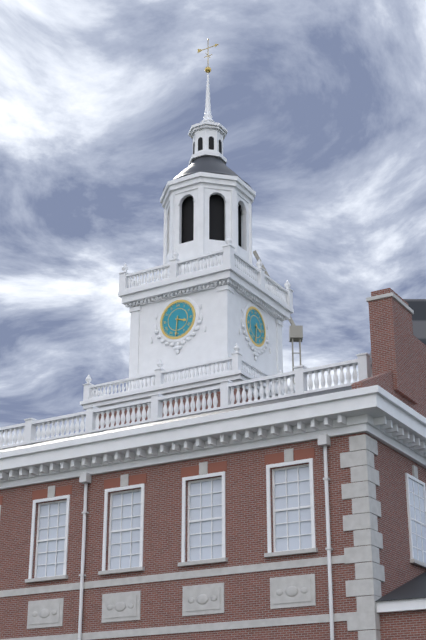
3:31
